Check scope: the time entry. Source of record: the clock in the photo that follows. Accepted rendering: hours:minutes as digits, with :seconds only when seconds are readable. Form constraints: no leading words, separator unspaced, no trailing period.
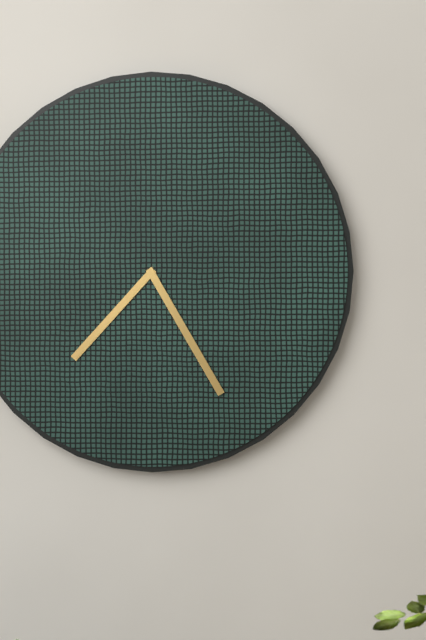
7:25
